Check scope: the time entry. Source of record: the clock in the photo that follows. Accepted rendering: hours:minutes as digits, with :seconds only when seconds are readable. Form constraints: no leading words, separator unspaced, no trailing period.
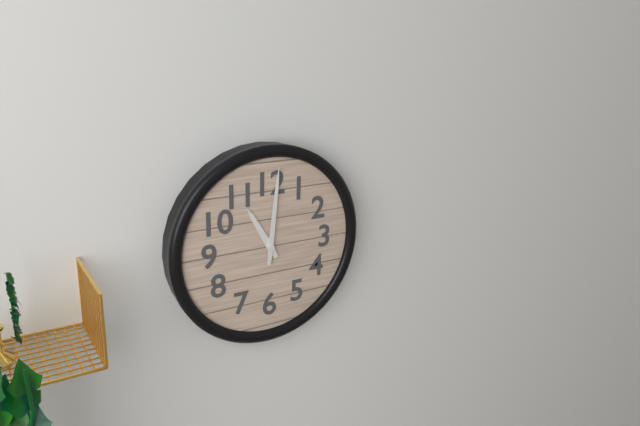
11:01
